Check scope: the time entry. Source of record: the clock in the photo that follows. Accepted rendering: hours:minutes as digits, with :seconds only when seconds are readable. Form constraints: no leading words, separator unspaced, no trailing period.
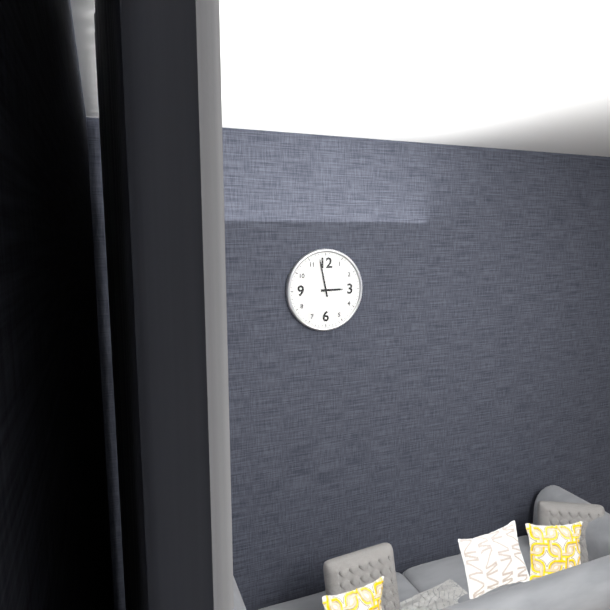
2:58
